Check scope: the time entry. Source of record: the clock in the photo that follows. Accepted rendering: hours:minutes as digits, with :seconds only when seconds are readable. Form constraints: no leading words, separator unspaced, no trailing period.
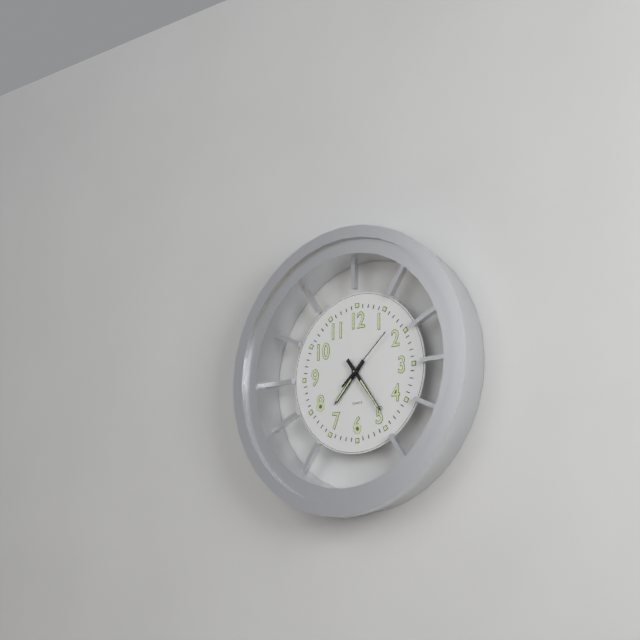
7:24:08
